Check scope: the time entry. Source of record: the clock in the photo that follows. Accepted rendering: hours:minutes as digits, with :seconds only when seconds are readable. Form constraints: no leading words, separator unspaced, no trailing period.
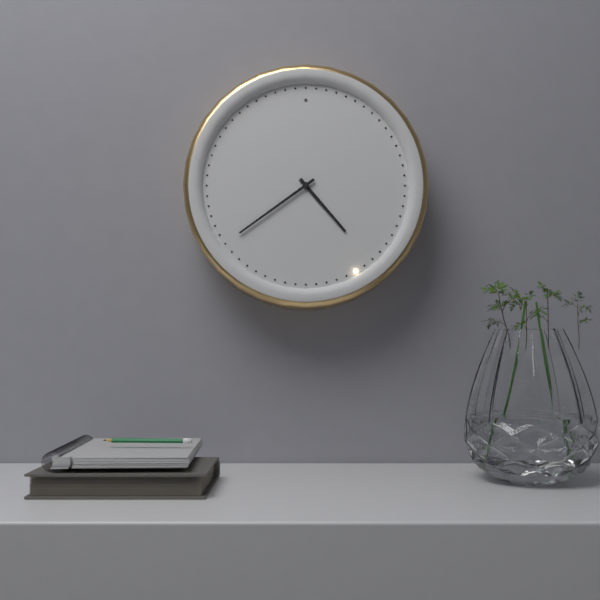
4:39
